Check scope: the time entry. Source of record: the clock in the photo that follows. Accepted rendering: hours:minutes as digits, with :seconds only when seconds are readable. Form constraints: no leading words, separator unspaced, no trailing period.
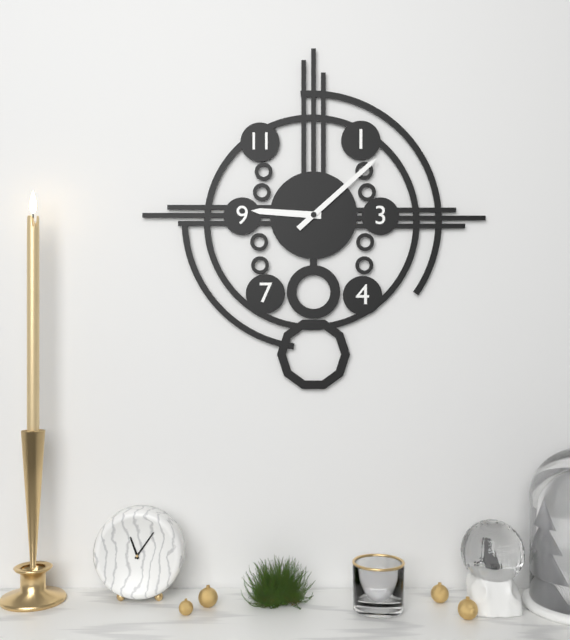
9:08
